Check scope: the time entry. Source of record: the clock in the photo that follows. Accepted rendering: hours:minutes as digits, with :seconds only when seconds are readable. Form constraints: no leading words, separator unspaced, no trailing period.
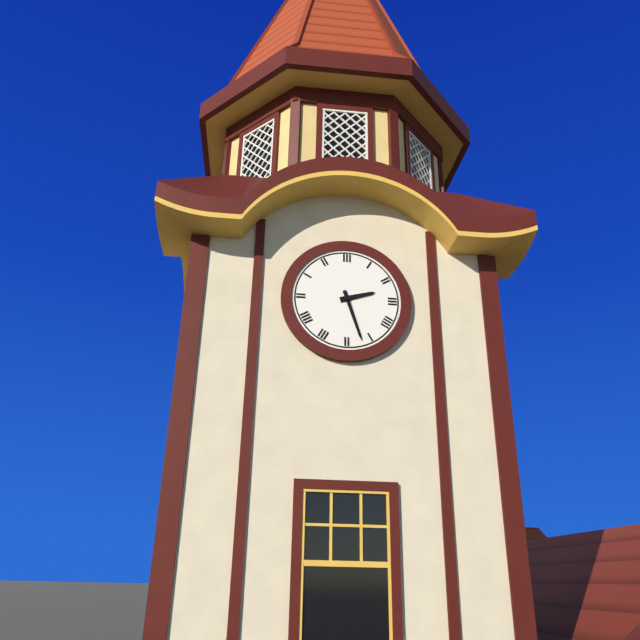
2:27
